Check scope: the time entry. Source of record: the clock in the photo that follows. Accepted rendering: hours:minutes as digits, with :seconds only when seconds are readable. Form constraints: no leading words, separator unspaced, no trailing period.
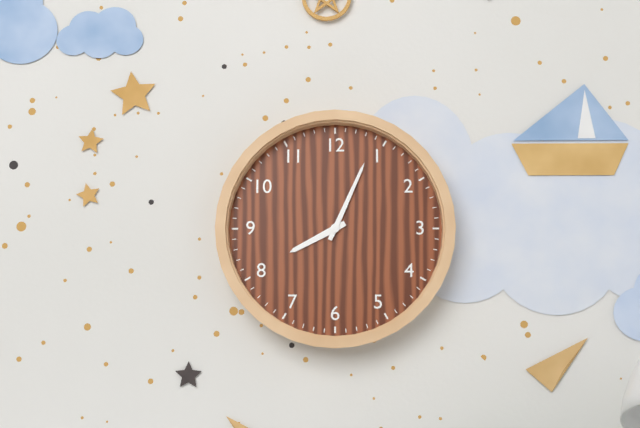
8:04
